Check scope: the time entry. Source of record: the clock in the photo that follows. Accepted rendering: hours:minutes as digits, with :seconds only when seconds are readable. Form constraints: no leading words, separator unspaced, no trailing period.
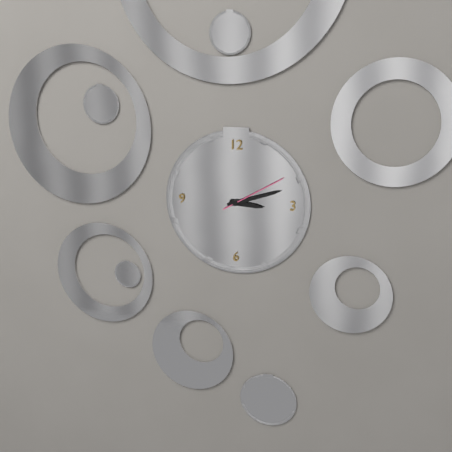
3:12:10
